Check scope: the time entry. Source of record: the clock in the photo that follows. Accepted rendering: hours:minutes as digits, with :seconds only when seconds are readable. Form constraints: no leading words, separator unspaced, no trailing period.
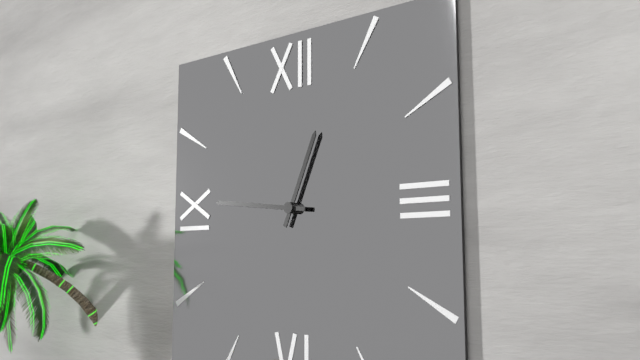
12:46
